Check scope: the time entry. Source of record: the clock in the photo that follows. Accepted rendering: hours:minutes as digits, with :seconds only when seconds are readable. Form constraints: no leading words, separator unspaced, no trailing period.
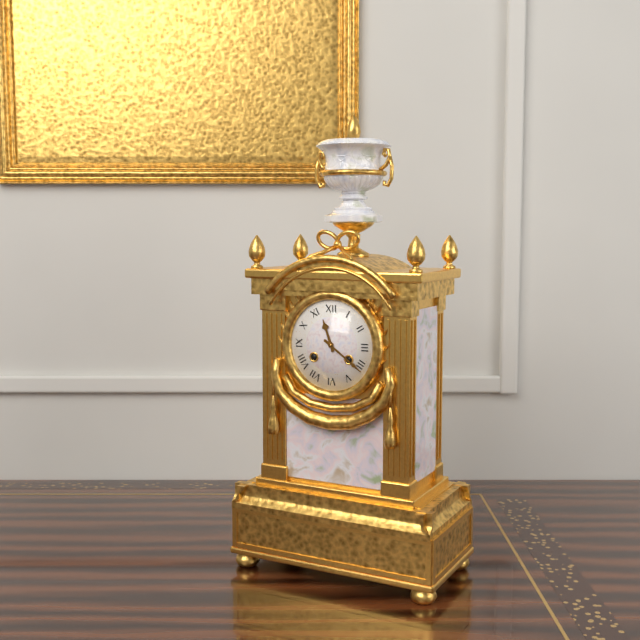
11:21
